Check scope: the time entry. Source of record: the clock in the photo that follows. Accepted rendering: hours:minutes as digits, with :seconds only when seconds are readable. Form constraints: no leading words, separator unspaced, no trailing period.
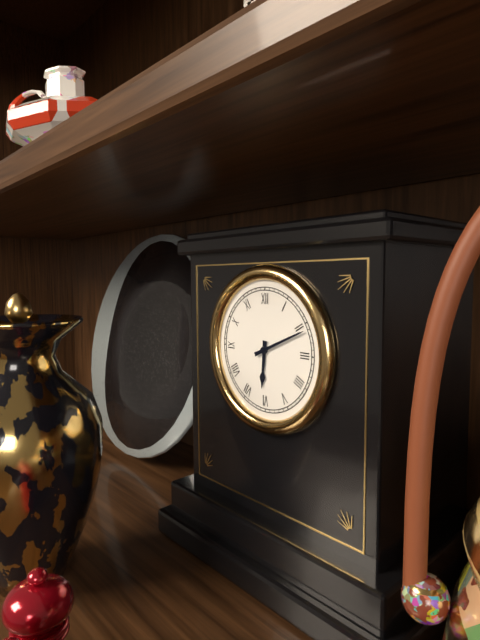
6:11
